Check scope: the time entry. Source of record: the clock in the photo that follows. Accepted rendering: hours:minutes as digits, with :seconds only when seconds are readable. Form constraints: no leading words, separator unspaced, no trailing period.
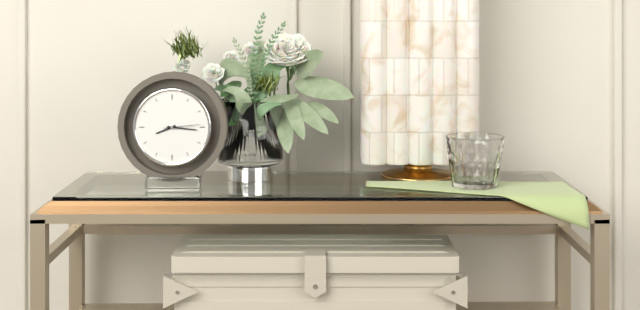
8:16
